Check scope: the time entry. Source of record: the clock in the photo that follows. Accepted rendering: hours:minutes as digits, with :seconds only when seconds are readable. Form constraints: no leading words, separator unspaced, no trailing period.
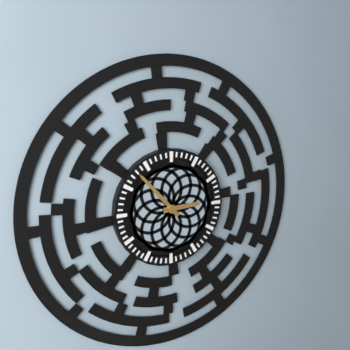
2:53
